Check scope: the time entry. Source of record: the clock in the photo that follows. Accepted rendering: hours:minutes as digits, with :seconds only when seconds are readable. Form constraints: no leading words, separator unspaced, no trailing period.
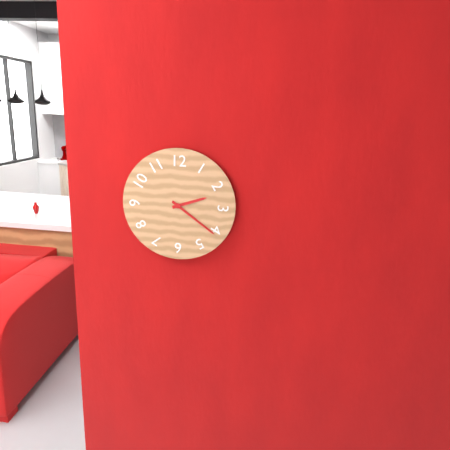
2:21
